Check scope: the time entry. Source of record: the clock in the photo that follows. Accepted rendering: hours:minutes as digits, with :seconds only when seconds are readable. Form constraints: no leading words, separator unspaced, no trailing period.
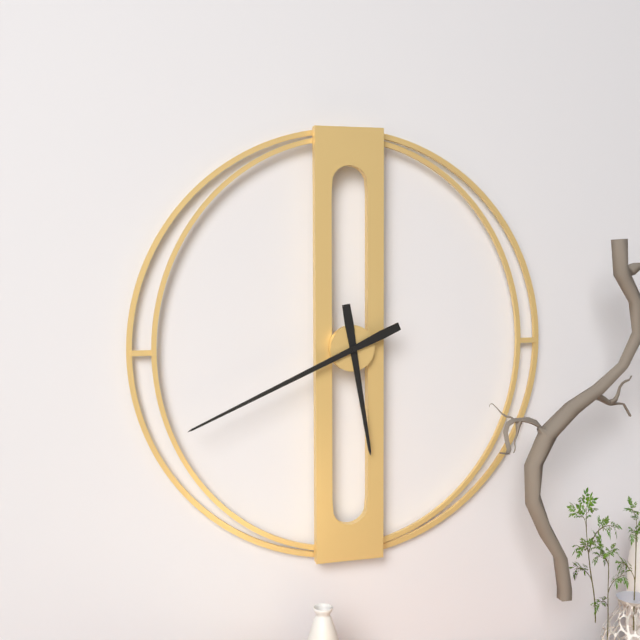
5:41
